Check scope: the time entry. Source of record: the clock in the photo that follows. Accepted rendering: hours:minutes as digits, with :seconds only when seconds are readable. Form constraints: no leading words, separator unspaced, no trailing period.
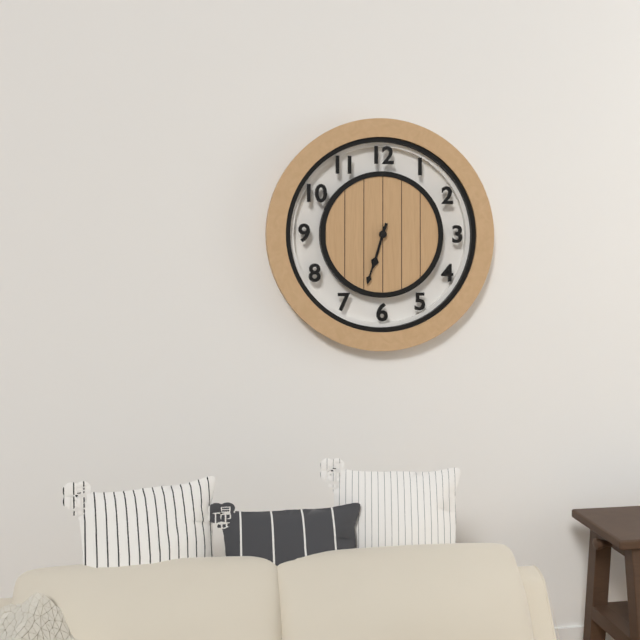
6:33
